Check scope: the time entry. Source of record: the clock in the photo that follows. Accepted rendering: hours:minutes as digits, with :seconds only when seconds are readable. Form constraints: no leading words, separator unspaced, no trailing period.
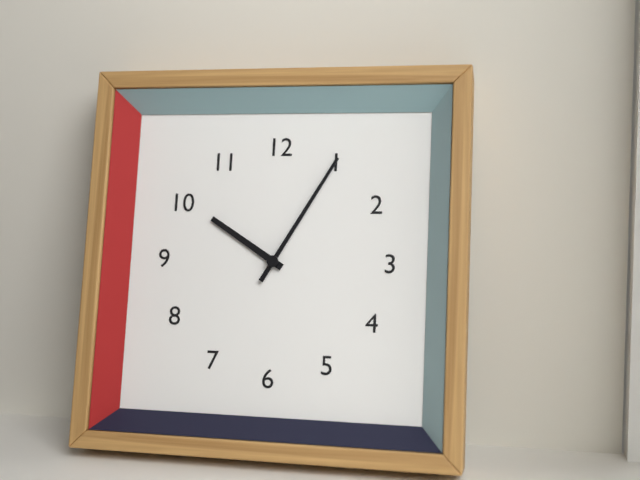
10:05
